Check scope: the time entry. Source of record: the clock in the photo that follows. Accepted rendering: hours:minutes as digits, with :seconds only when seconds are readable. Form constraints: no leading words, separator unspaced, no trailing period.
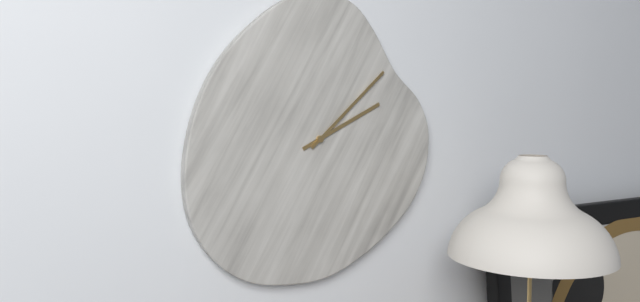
2:08
